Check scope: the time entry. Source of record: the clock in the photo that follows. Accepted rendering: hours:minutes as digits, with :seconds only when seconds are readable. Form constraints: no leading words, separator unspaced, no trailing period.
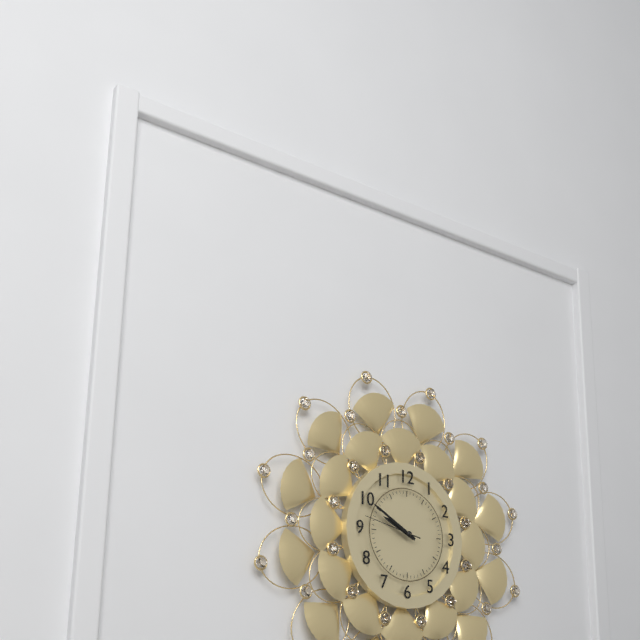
9:50:47
